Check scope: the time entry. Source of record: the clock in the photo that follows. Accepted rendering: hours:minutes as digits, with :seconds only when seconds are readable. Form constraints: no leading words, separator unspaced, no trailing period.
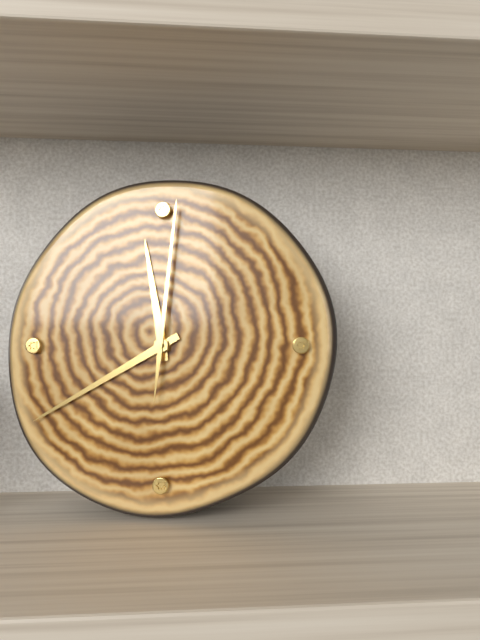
11:40:01
